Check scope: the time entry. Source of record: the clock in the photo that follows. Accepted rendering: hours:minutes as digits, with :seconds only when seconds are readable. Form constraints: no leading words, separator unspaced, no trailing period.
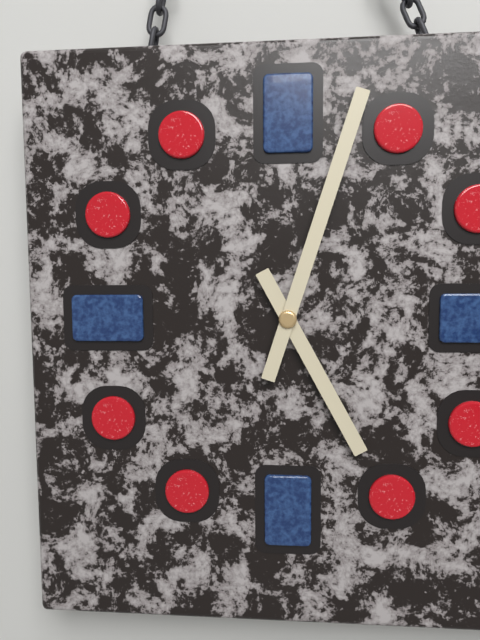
5:03
